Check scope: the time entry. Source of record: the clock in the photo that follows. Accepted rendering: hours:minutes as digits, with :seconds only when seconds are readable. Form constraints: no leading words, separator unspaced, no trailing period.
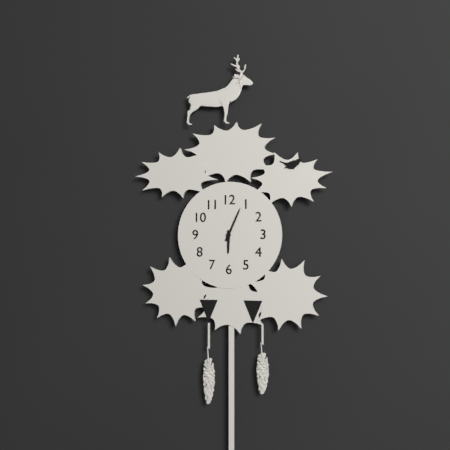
6:04
